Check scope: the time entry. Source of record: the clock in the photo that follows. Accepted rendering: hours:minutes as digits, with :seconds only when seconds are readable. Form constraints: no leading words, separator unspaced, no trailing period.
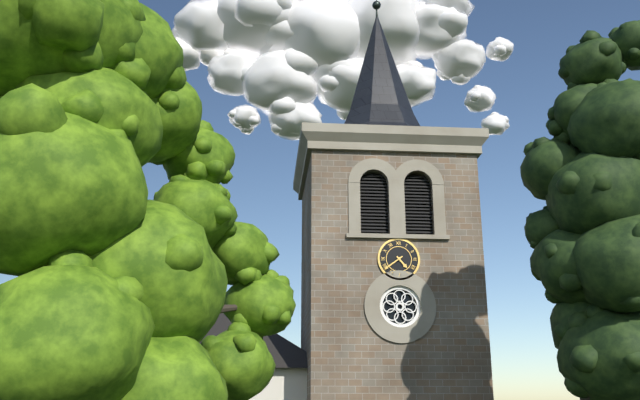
4:39
